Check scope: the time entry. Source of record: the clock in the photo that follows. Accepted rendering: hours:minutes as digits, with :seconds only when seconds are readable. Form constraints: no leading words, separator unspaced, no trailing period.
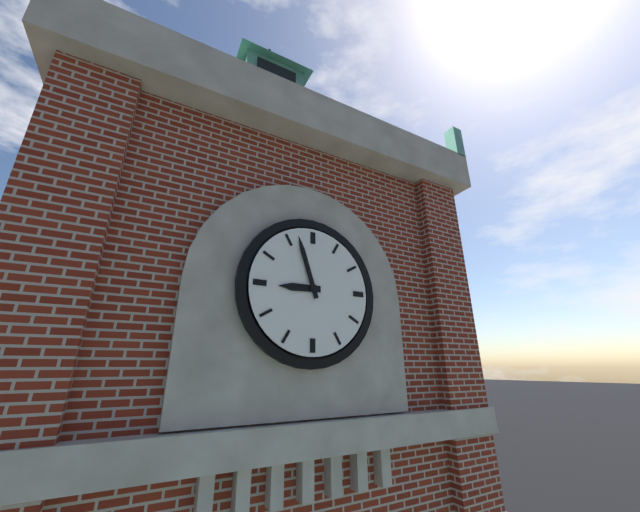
8:57
